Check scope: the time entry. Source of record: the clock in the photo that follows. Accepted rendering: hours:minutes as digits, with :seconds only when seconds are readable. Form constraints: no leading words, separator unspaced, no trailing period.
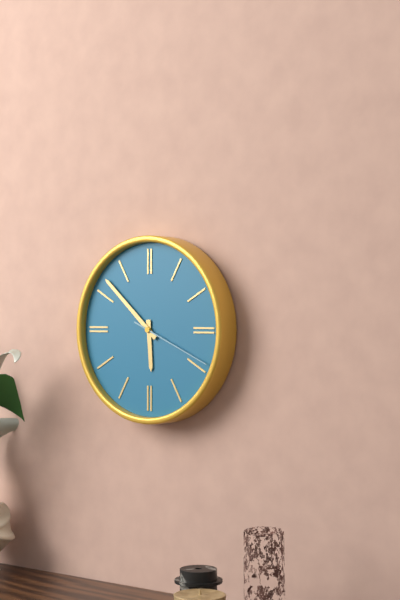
5:52:19
